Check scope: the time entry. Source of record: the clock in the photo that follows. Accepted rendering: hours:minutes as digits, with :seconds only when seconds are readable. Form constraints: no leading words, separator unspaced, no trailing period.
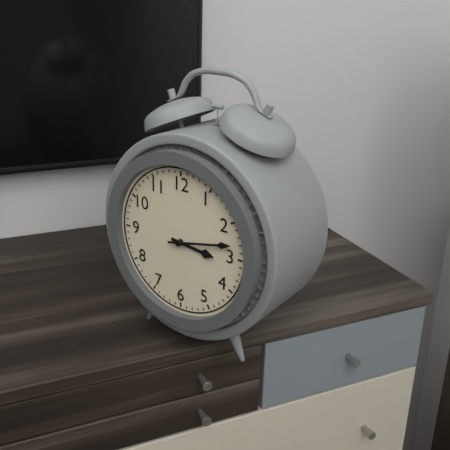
3:13
